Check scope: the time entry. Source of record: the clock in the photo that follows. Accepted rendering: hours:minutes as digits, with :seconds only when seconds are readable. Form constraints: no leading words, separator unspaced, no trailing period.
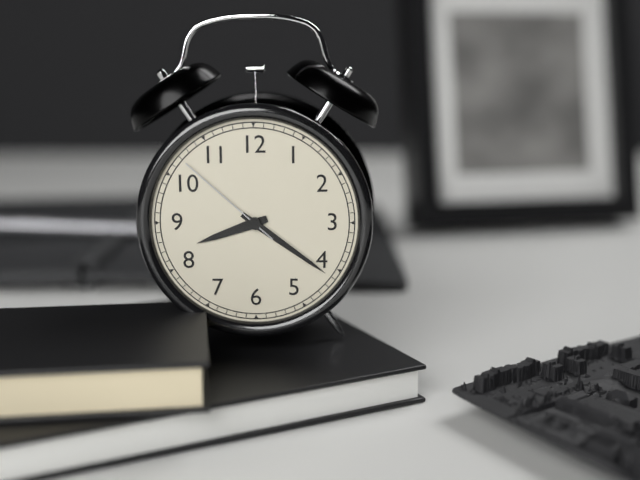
8:21:52
